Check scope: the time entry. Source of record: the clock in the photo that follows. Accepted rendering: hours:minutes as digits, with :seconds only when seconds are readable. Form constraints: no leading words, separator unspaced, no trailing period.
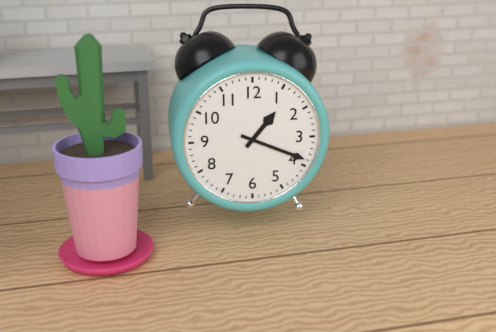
1:19
